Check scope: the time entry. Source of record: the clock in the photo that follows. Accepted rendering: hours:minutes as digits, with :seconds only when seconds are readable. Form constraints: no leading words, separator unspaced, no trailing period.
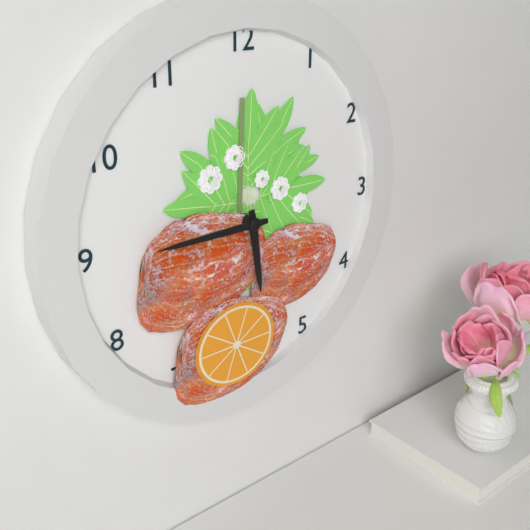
5:45
